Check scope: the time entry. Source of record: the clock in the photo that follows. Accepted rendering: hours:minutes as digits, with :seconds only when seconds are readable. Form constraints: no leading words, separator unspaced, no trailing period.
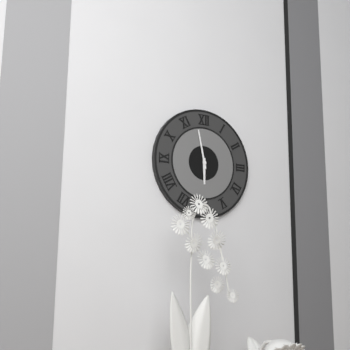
5:58
